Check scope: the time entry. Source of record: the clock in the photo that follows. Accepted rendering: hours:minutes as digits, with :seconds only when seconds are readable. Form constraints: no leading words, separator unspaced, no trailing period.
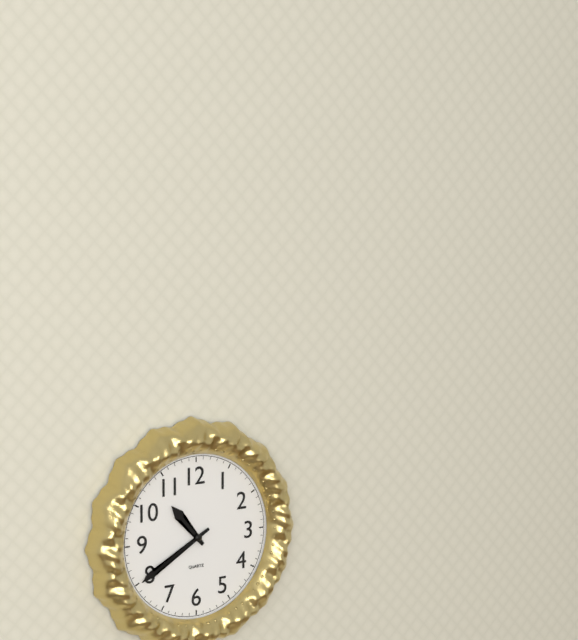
10:40
